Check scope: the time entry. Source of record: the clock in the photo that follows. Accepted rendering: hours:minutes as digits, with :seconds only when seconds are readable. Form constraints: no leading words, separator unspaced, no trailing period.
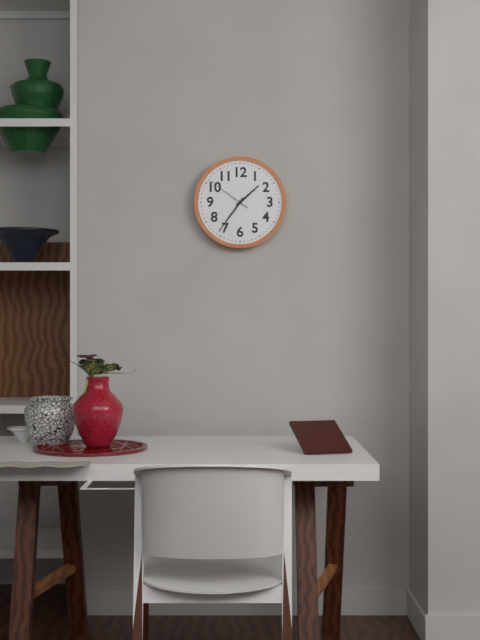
1:36
